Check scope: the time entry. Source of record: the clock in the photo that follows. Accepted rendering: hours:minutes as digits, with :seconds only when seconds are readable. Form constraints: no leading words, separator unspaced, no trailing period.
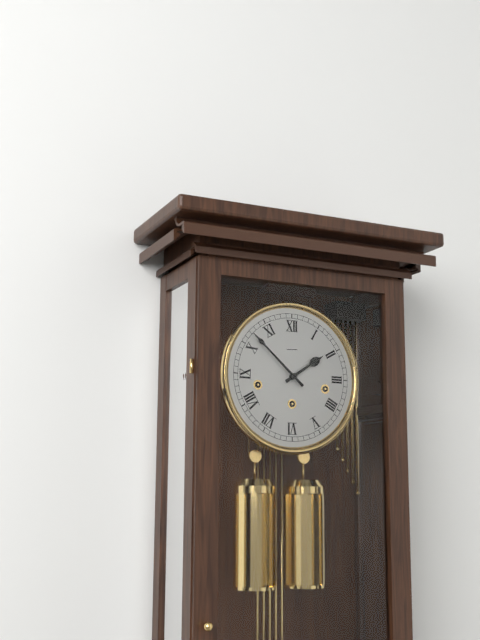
1:52
